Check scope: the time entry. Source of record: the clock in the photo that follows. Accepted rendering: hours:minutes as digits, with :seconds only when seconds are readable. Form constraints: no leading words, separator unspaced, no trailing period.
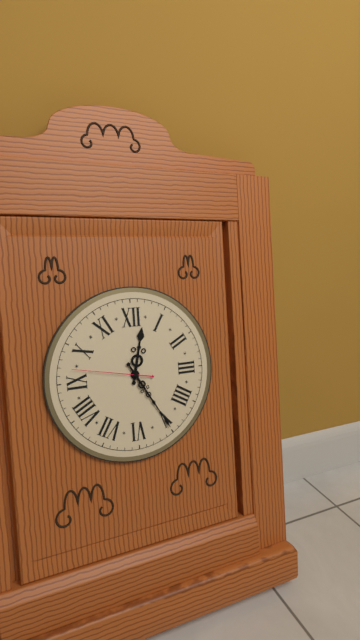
12:25:47
